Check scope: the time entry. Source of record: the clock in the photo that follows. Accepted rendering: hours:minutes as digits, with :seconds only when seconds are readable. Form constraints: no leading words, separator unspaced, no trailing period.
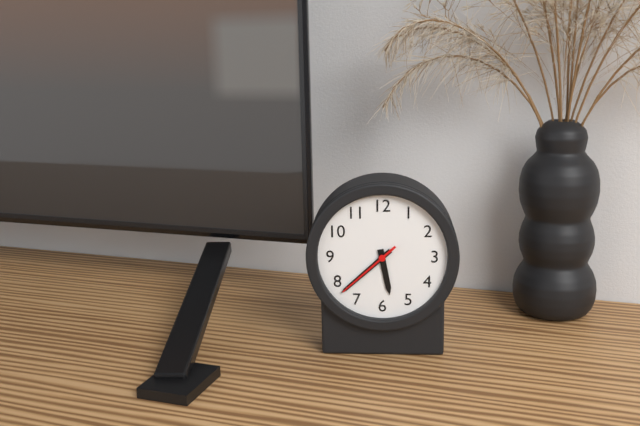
5:38:38
